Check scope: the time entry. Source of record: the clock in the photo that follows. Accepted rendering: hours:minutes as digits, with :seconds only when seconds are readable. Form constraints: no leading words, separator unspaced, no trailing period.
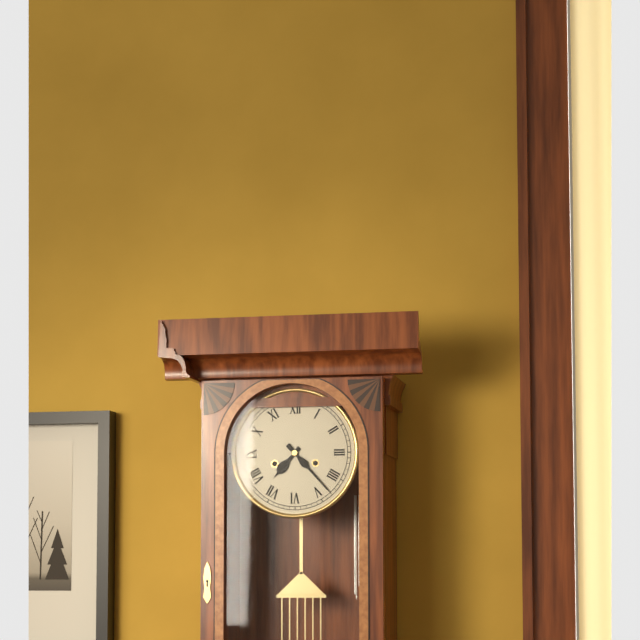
7:23
